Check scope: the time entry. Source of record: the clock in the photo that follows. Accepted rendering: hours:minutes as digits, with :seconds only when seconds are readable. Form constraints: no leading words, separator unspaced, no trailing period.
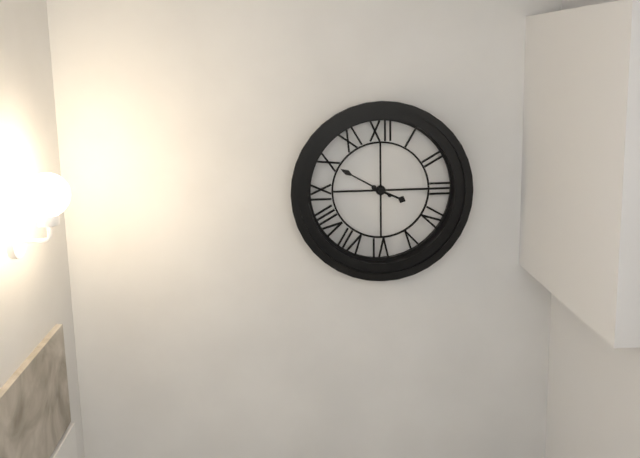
3:50
